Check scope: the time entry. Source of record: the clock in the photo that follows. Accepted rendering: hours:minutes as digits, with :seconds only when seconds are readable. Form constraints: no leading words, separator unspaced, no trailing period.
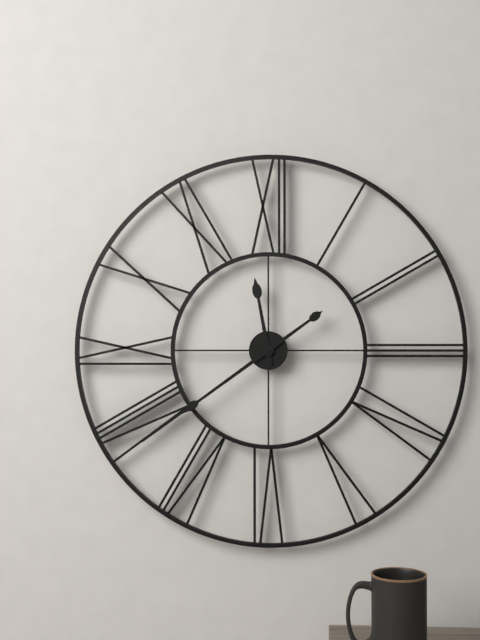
11:39
